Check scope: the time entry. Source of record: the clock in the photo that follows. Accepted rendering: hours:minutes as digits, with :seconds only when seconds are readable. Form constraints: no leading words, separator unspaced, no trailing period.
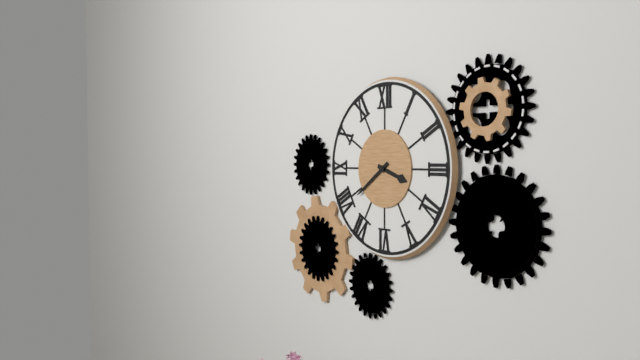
3:39
